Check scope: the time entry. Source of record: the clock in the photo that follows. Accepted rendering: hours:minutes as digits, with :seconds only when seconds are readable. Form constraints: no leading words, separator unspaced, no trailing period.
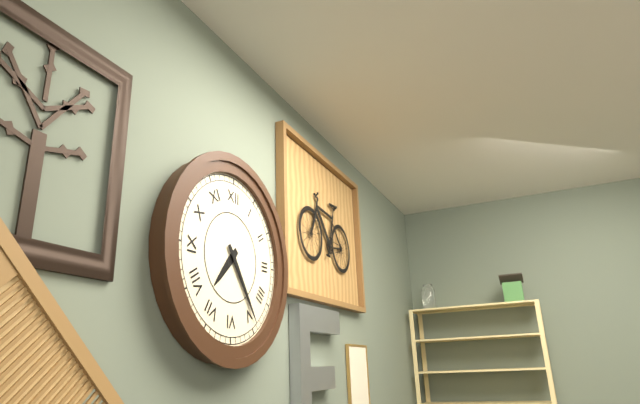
7:24
